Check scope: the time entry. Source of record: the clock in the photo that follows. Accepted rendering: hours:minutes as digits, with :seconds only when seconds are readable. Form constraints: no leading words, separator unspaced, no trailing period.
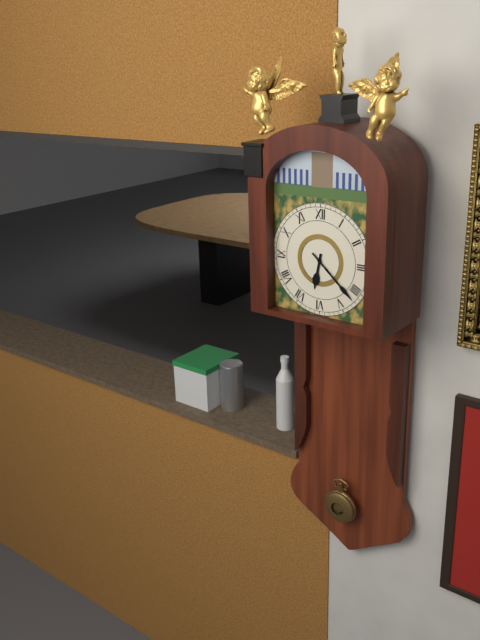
6:22
